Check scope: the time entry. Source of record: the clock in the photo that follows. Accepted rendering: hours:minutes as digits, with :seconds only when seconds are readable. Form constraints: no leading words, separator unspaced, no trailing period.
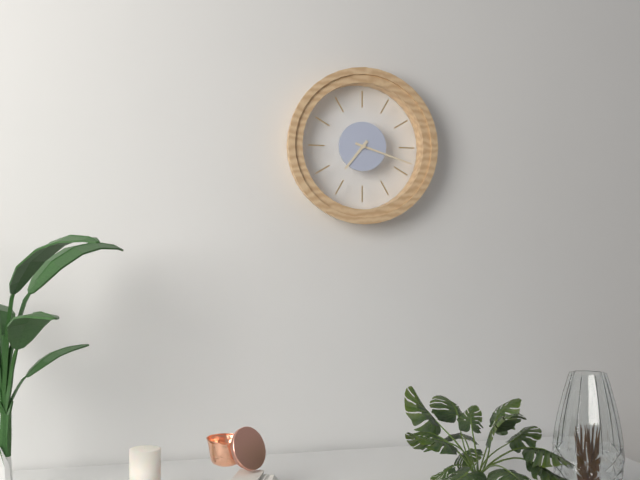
7:18
